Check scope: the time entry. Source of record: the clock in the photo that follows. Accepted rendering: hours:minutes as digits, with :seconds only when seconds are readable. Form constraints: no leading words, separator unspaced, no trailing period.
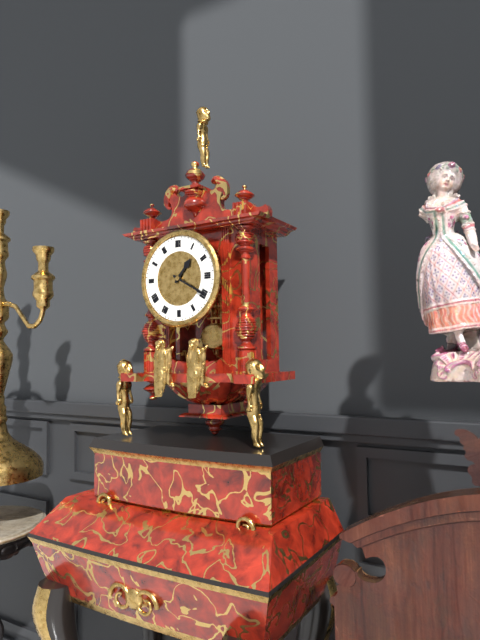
1:20
